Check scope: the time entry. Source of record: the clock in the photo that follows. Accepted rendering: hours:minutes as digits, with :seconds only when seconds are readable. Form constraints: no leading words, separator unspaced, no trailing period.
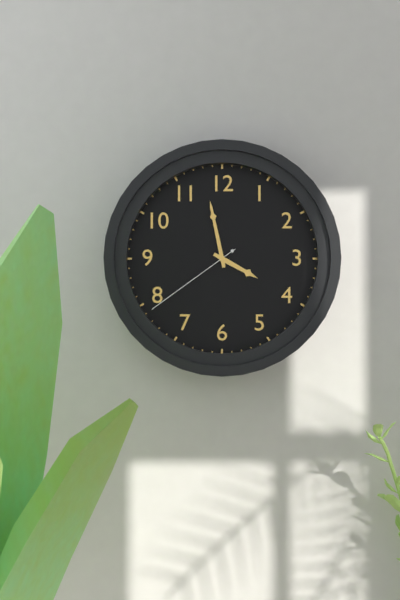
3:58:39
